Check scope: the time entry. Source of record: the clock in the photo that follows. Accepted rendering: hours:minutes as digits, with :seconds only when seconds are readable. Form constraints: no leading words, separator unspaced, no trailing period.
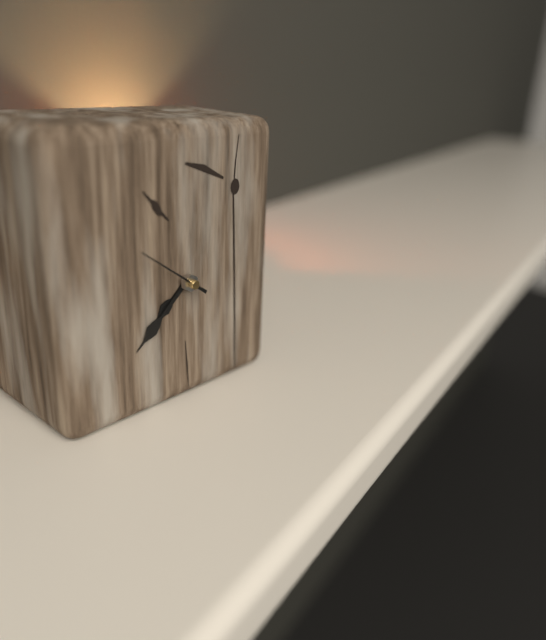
7:38:51
